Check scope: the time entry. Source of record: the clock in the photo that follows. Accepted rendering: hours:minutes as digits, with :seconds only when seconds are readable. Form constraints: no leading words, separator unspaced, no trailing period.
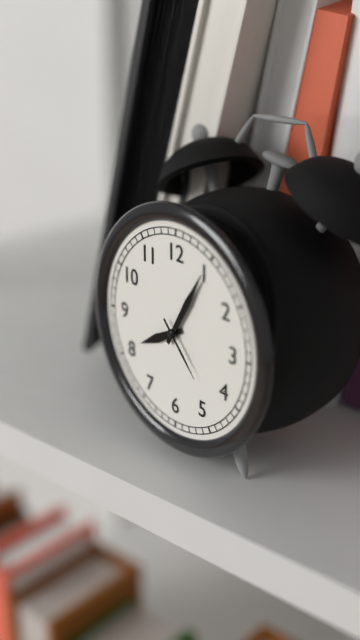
8:05:23
